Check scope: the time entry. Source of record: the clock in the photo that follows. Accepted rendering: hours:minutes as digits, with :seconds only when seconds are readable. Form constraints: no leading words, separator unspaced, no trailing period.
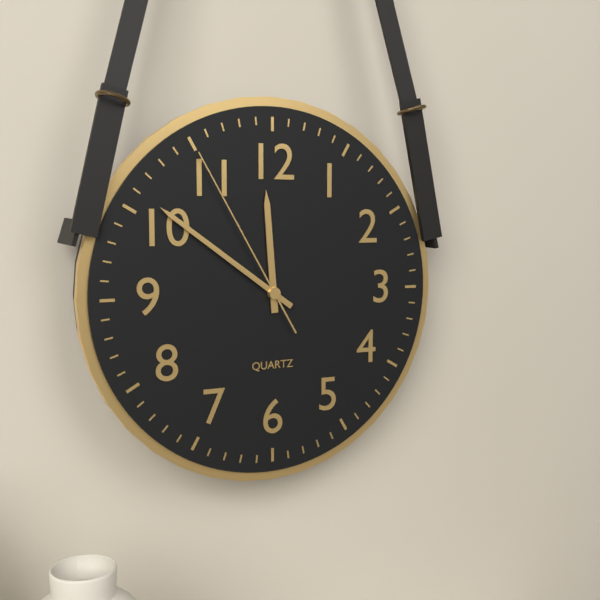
11:51:55
